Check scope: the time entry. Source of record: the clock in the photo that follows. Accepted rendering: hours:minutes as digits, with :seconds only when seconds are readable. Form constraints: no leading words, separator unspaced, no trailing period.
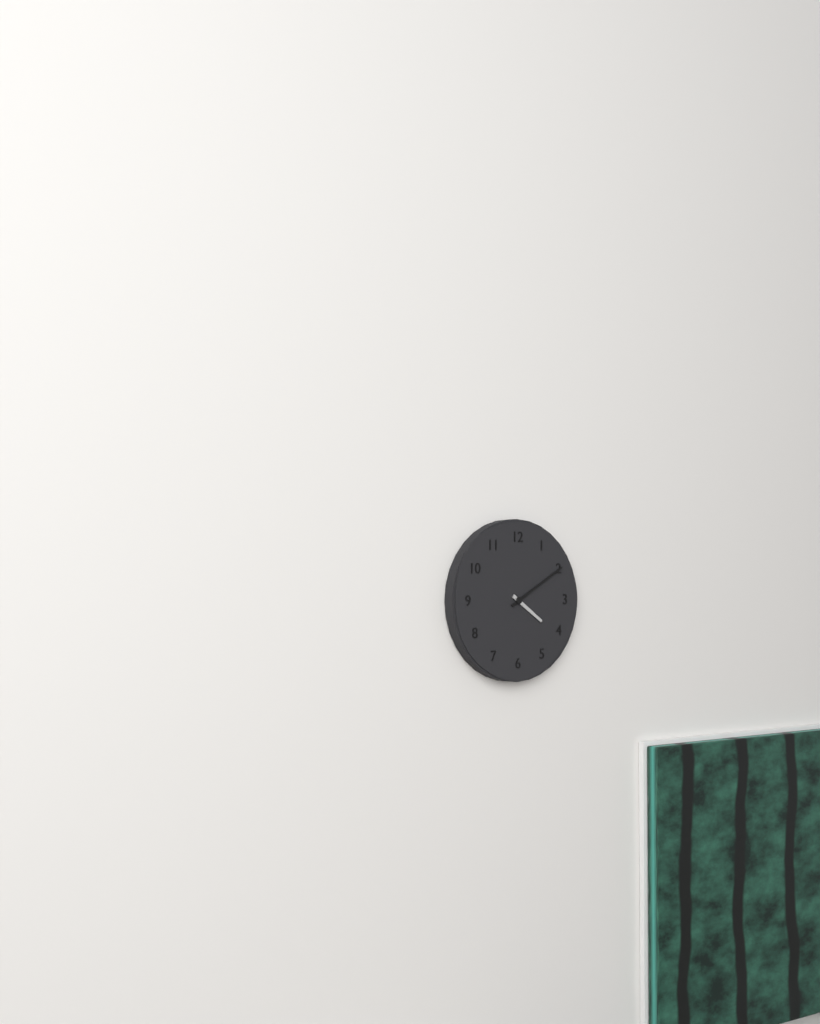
4:10
